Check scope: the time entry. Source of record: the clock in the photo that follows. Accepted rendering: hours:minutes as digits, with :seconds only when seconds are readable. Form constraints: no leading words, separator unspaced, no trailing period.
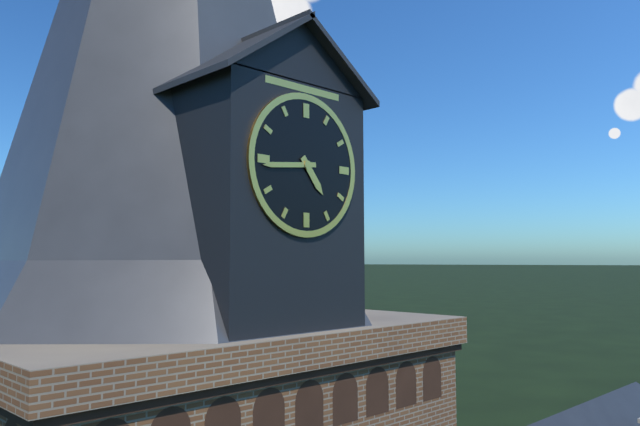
4:44
